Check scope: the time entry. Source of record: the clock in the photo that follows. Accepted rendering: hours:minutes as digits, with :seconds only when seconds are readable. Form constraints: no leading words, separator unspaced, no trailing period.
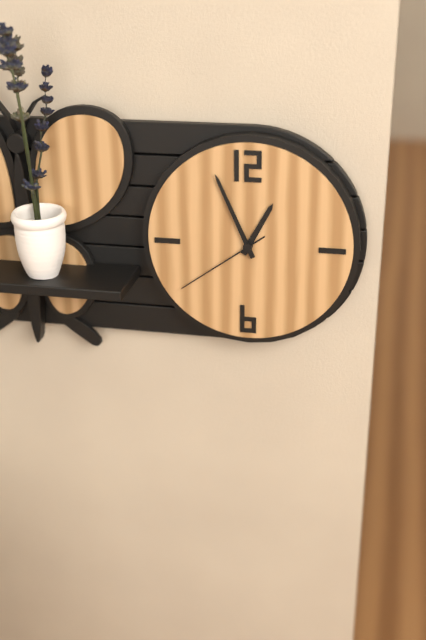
12:56:39
